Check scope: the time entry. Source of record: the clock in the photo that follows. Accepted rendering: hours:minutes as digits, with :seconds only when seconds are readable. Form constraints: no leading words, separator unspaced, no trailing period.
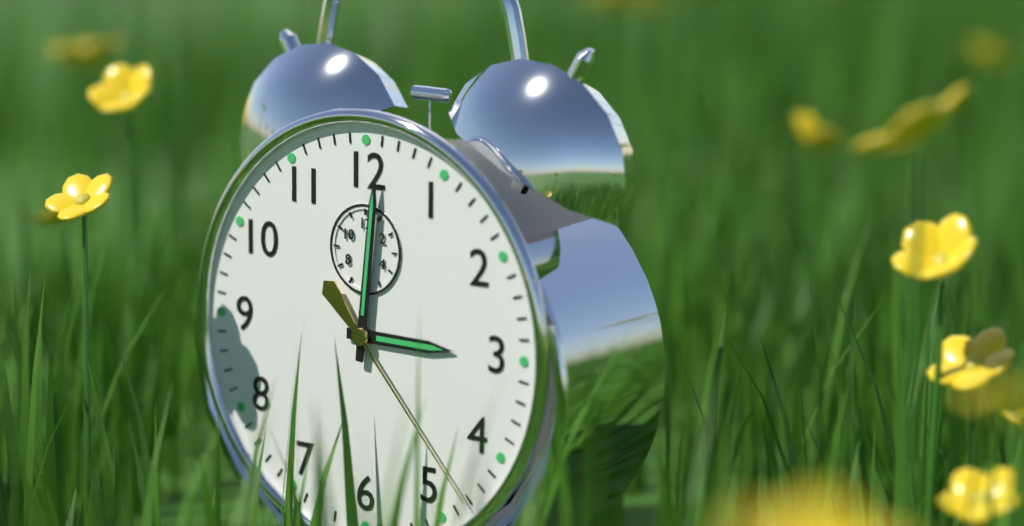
3:01:23
